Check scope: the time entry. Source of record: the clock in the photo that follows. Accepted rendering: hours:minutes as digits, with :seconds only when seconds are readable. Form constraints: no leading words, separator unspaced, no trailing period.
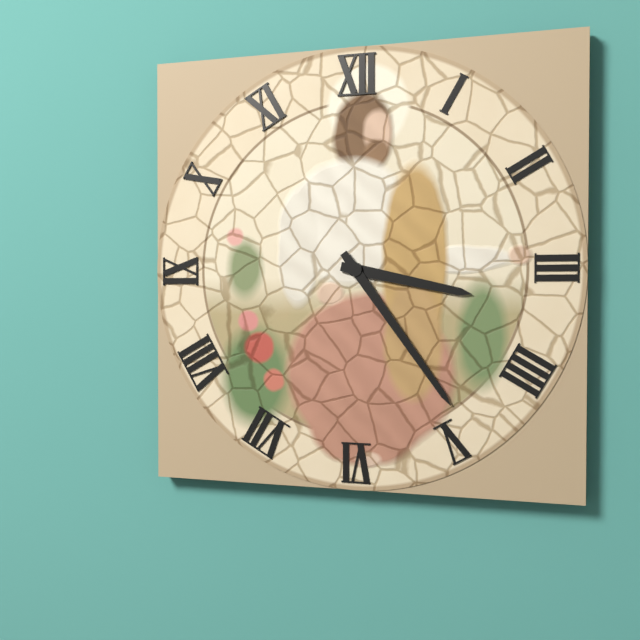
3:24
